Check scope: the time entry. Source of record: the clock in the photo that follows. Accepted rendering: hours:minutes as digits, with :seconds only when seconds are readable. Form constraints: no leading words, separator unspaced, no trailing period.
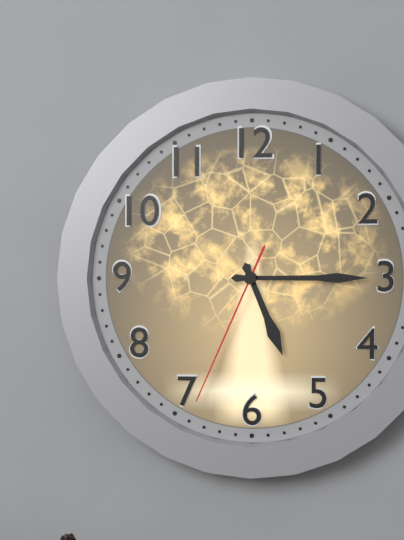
5:15:34
